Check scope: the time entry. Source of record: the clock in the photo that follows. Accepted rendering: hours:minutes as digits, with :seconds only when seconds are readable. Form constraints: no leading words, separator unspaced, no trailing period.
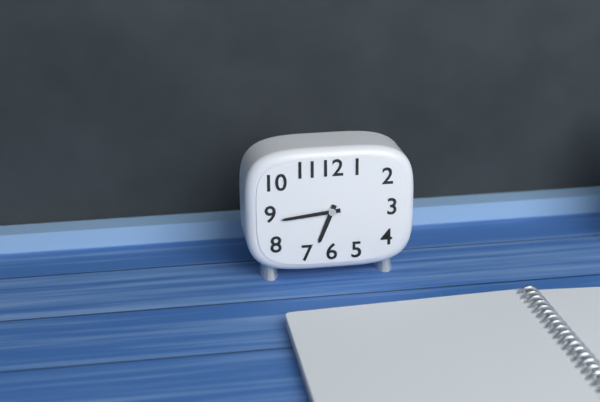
6:44
